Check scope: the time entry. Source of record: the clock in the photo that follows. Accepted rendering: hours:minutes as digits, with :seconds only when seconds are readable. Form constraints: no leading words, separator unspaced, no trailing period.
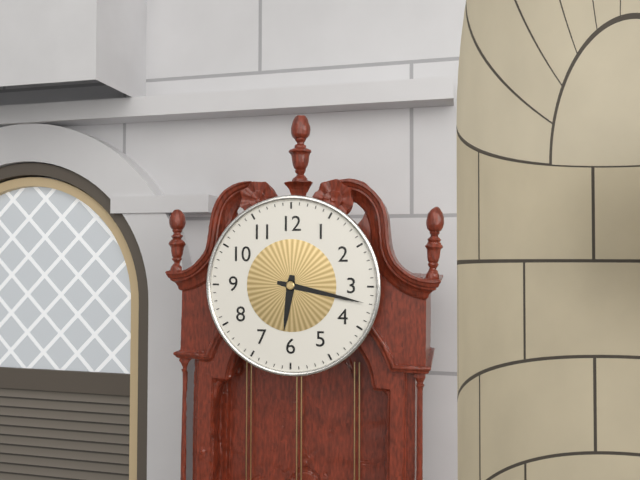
6:17
